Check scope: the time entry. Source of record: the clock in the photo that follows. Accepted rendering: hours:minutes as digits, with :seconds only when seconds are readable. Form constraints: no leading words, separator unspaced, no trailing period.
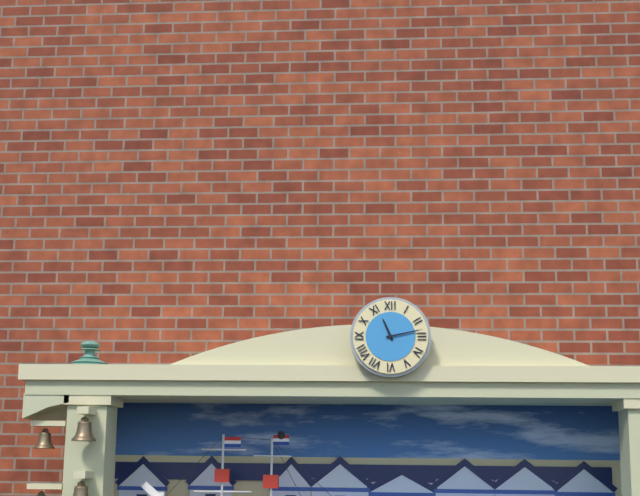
11:13
